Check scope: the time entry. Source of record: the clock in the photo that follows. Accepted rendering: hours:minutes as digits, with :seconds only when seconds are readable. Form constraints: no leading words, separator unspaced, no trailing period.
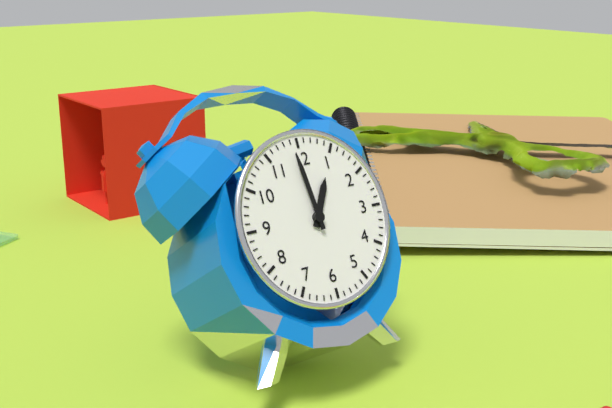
12:59
